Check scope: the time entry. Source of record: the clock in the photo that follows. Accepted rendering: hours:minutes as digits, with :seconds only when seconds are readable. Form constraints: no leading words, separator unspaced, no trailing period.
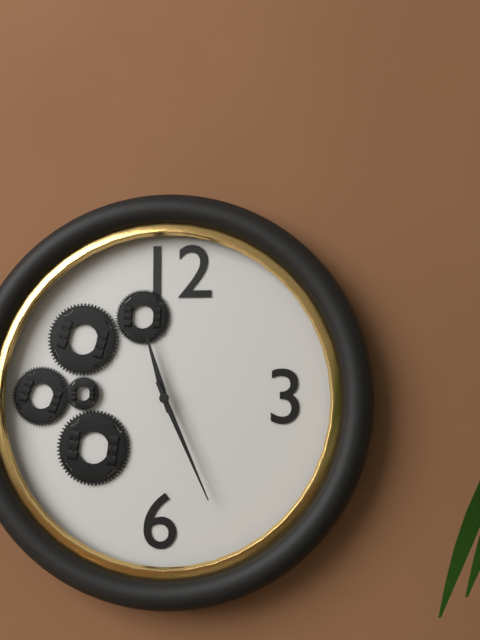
11:26
